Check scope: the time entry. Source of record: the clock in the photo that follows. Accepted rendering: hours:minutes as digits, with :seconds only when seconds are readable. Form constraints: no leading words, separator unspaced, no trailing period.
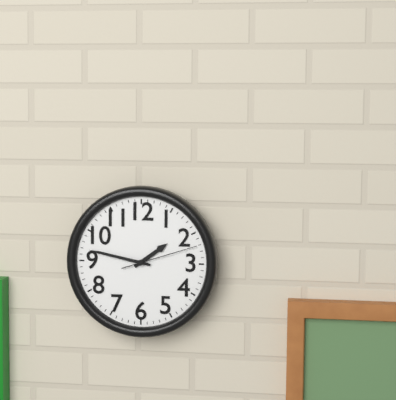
1:47:12
